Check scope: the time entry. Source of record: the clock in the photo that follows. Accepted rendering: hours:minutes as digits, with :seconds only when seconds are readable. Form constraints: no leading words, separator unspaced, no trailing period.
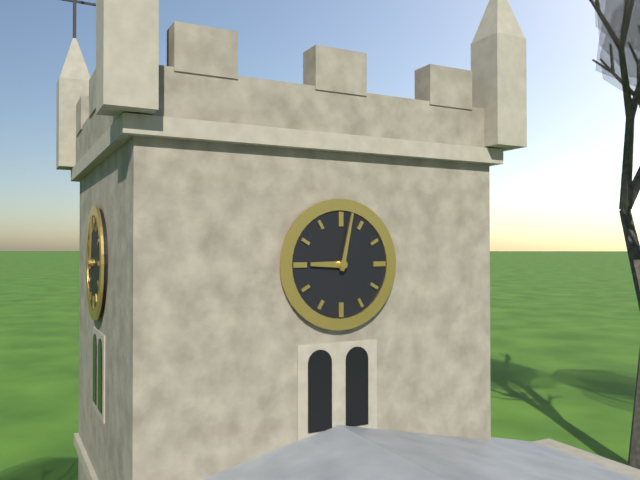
9:02
